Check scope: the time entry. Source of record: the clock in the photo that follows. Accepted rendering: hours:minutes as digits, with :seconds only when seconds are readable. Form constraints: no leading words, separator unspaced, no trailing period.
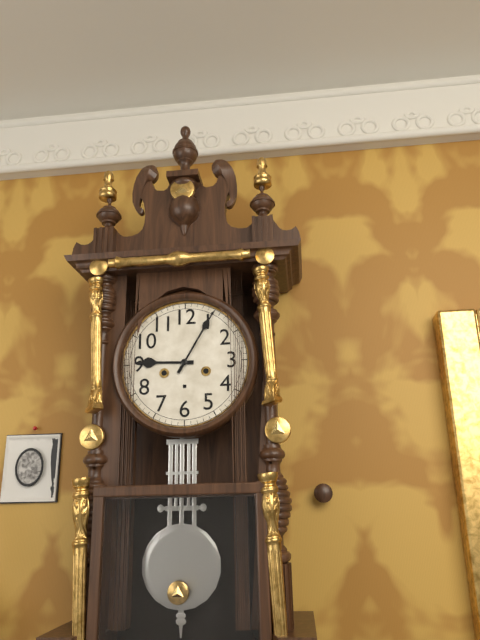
9:05
